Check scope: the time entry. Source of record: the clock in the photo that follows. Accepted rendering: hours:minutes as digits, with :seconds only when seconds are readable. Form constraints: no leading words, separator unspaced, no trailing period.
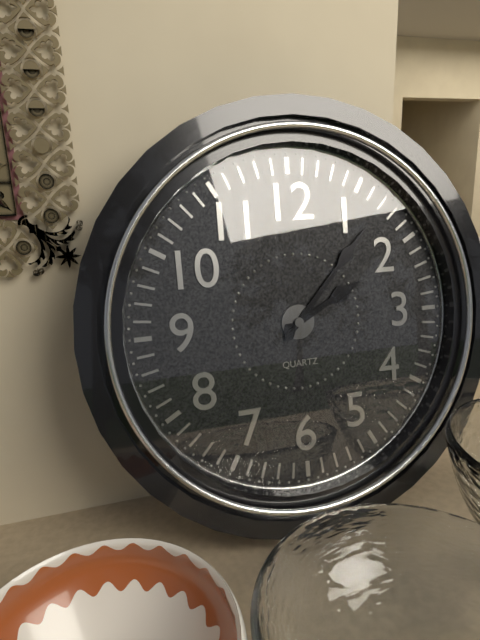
2:07
